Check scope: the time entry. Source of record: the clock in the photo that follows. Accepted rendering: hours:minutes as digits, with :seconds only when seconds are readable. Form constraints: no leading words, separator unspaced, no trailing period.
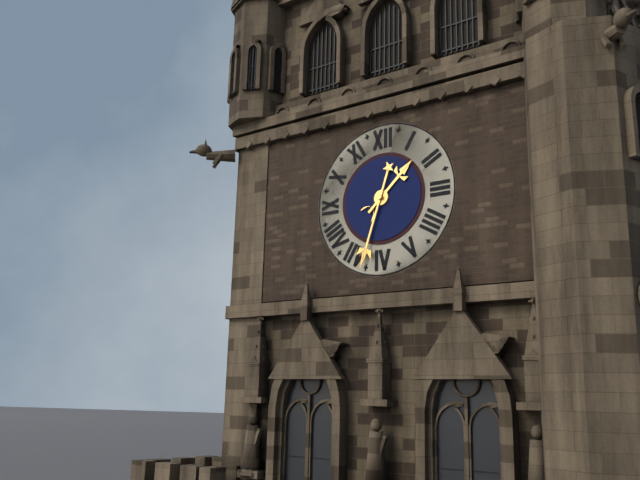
1:33
